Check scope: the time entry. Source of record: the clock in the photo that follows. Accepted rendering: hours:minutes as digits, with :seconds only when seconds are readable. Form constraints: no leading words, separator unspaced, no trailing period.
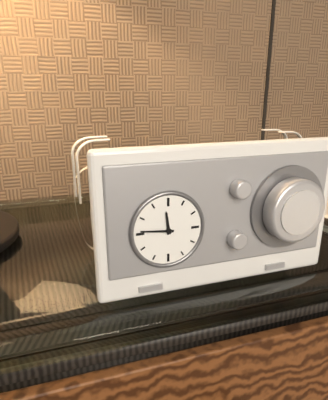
11:46
